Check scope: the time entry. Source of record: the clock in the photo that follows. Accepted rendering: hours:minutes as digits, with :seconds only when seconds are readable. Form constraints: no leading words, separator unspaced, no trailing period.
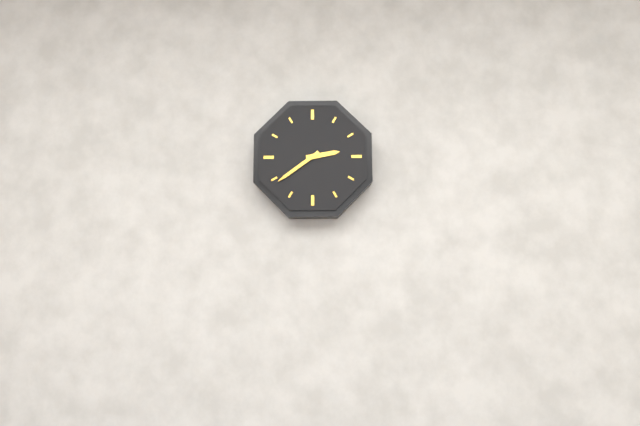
2:39
